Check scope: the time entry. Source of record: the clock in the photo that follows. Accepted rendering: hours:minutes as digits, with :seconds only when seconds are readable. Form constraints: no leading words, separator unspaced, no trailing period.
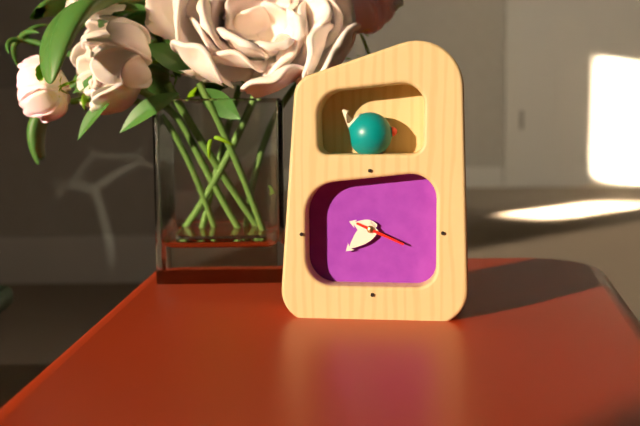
9:38
